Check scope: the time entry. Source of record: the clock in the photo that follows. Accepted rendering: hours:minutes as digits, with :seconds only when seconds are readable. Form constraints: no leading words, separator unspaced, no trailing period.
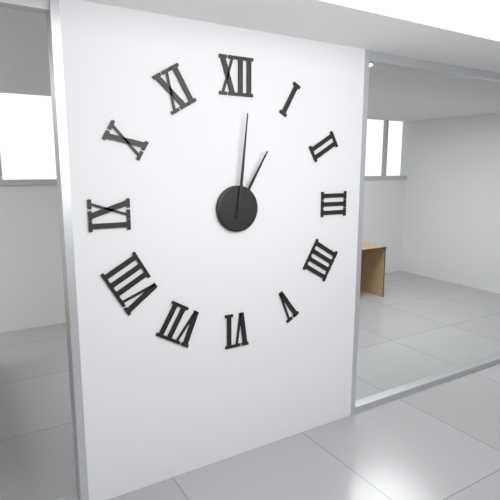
1:01
